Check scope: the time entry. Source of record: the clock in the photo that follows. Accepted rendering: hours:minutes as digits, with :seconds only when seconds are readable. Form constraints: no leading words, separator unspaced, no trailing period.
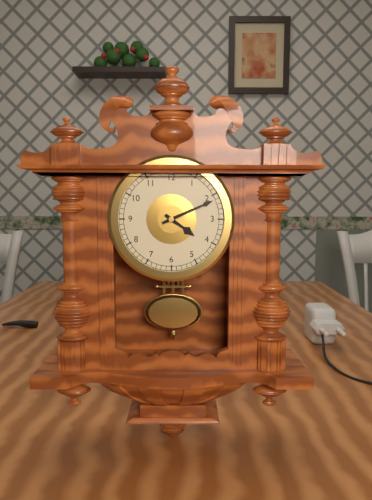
4:11
